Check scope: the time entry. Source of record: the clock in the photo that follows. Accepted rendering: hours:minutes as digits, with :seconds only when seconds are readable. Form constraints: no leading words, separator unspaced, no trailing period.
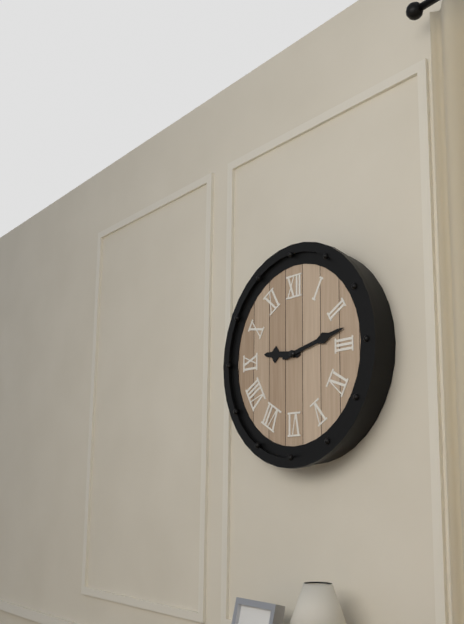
9:13
